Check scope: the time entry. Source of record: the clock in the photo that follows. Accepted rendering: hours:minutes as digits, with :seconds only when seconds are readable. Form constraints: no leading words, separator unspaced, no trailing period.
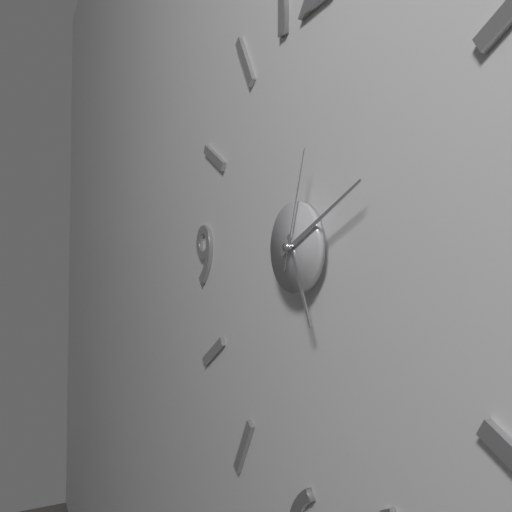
5:11:03
